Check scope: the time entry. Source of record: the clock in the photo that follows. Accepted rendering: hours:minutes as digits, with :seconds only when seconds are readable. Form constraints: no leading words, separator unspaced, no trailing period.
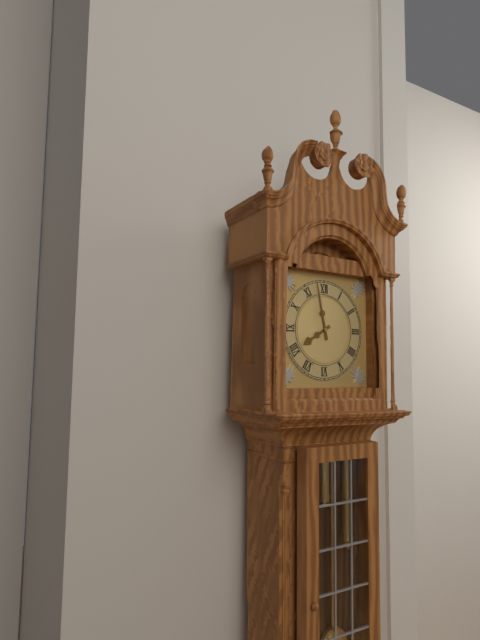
7:58
